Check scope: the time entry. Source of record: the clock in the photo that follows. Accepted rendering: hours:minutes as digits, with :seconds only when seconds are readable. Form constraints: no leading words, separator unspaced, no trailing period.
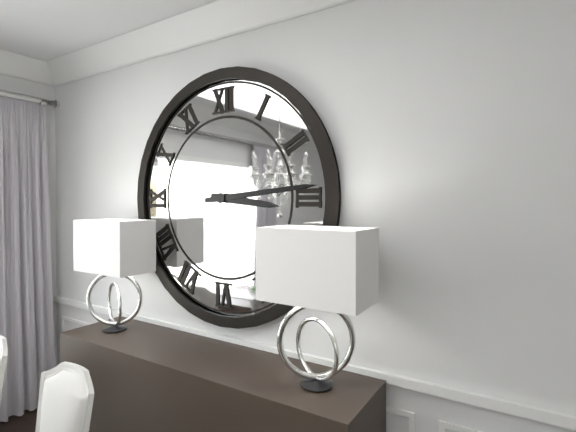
3:14
